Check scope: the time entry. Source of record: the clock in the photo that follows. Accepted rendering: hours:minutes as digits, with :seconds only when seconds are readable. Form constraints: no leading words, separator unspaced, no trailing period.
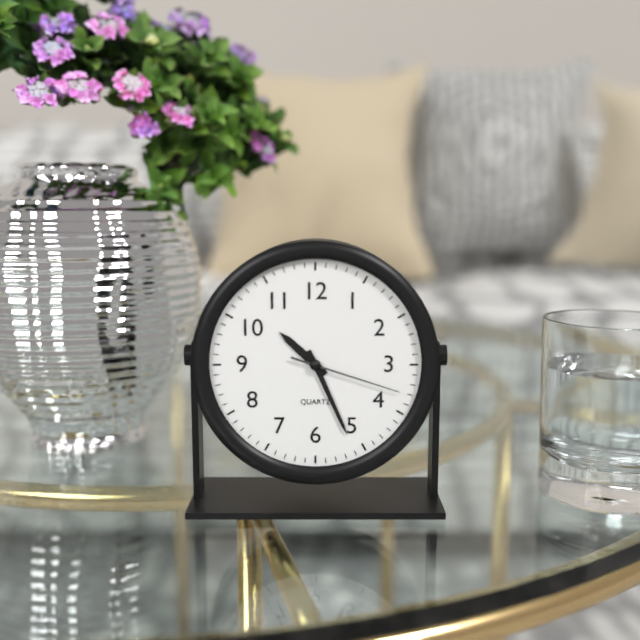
10:26:18
